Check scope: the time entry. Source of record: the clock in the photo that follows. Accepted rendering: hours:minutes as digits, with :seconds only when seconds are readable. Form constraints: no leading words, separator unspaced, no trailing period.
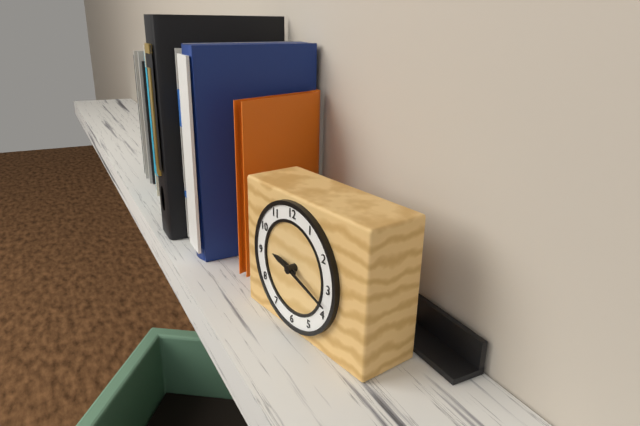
9:18
